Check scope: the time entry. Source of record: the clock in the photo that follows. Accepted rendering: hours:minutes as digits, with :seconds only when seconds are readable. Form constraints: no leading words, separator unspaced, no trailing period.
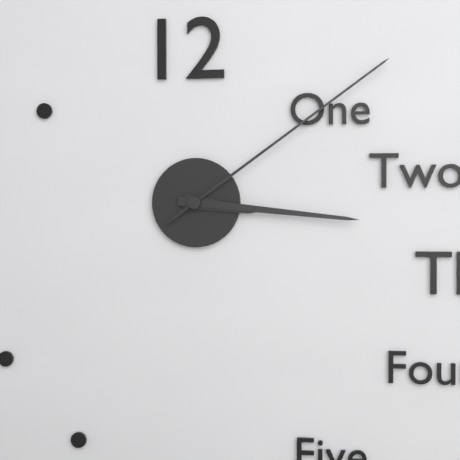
3:16:09
